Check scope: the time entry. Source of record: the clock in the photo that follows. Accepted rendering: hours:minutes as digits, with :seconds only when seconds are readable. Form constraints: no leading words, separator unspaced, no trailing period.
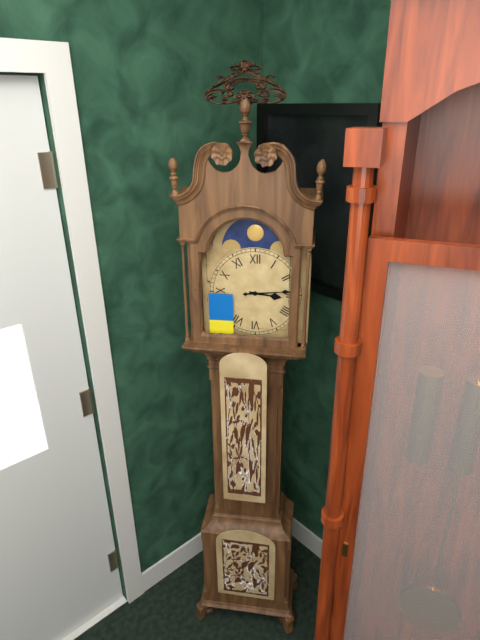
3:14
